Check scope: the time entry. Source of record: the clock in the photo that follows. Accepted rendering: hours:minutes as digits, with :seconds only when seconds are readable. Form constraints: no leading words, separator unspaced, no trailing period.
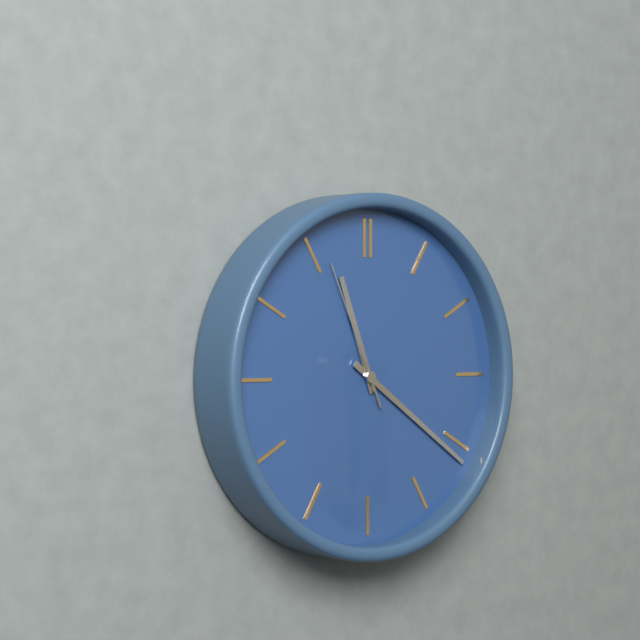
11:21:56
